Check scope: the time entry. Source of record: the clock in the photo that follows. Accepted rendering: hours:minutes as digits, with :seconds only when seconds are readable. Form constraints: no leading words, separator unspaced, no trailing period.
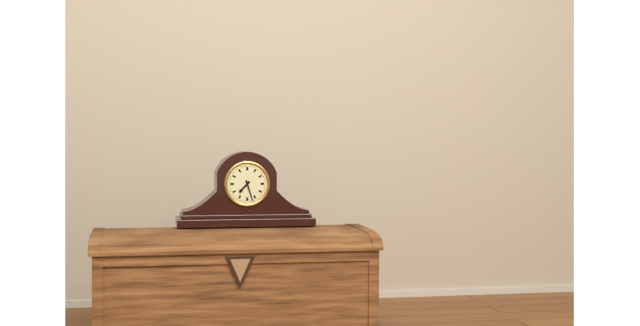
7:27
